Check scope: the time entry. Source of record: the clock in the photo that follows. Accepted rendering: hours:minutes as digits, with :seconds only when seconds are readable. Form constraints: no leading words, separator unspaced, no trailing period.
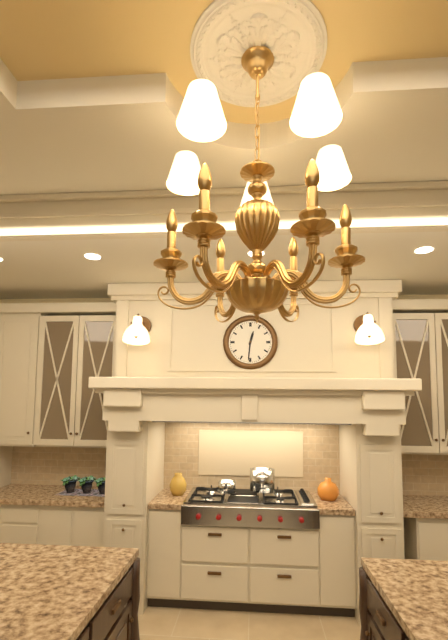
12:31
